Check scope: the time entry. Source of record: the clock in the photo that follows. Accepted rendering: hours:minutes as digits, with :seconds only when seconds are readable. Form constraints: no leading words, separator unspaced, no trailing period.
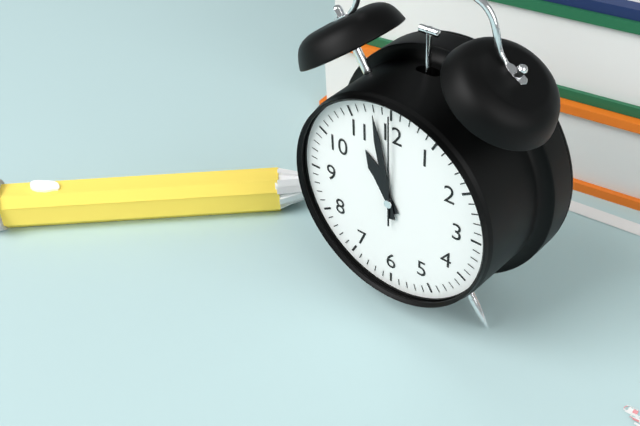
10:58:00
